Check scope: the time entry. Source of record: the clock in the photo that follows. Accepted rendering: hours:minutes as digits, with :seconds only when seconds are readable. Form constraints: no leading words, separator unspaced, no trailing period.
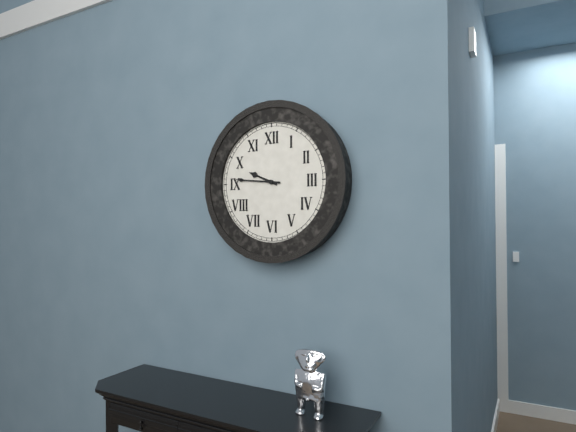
9:46
